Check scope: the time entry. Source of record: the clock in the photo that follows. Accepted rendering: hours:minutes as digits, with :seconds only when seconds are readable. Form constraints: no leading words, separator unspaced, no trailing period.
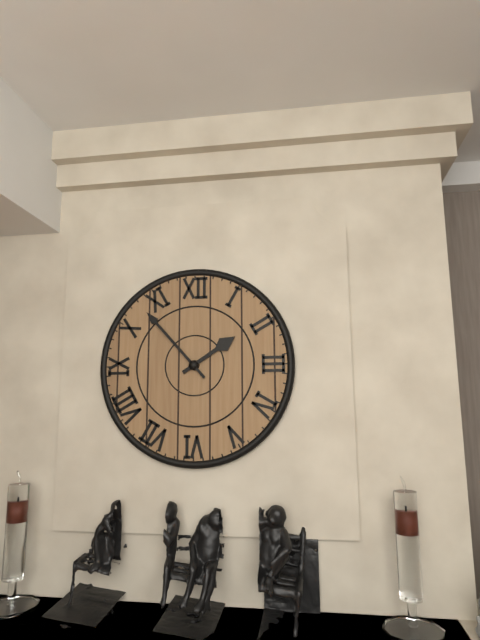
1:53
